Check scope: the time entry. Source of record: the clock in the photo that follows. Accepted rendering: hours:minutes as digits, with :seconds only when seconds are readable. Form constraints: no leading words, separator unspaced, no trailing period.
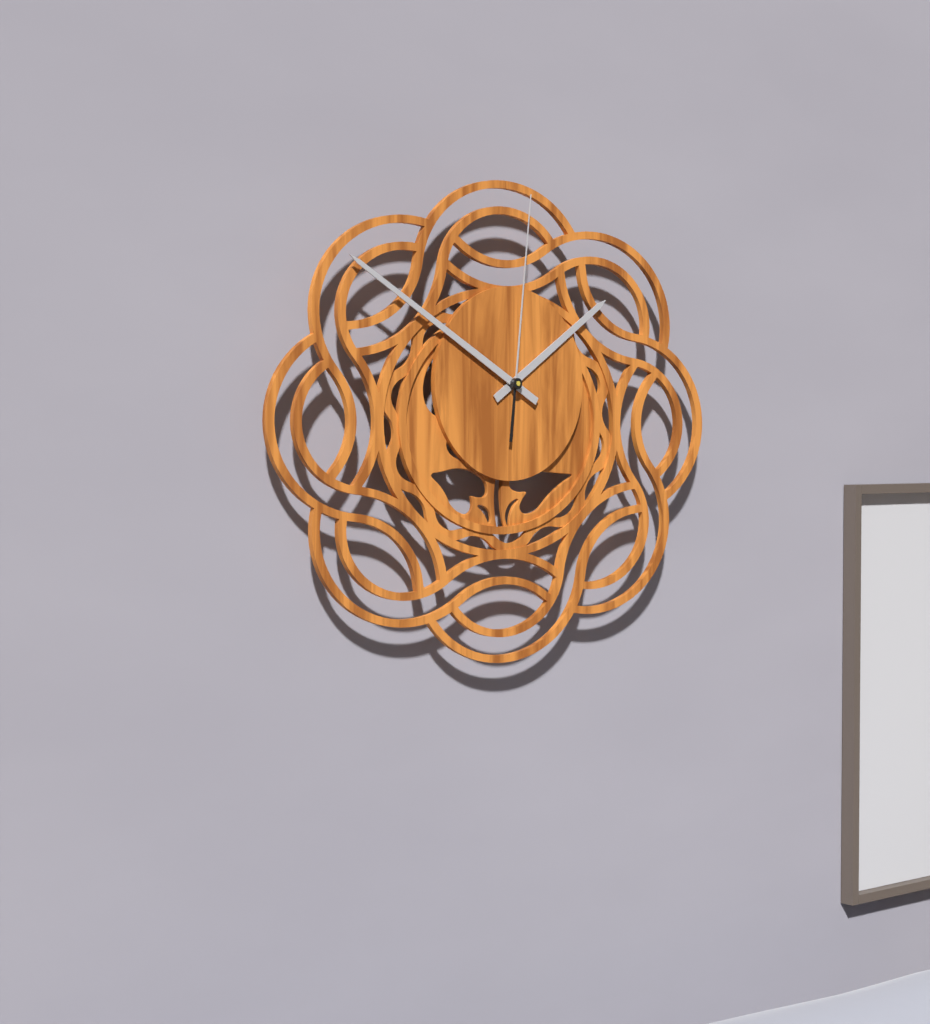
1:50:01
